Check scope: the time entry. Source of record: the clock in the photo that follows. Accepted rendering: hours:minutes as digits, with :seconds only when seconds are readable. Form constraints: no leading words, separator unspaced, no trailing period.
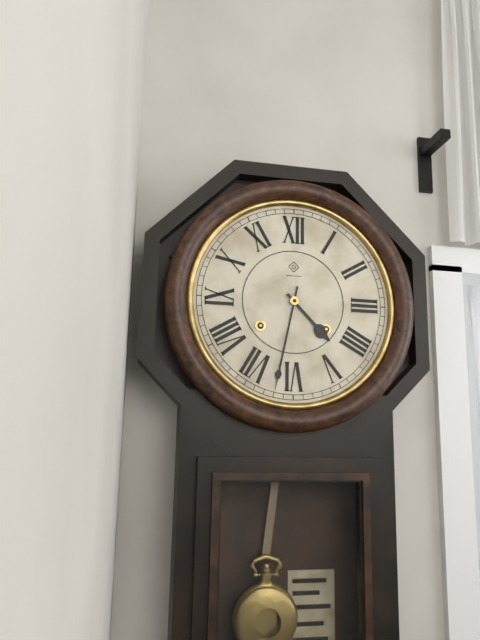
4:32
